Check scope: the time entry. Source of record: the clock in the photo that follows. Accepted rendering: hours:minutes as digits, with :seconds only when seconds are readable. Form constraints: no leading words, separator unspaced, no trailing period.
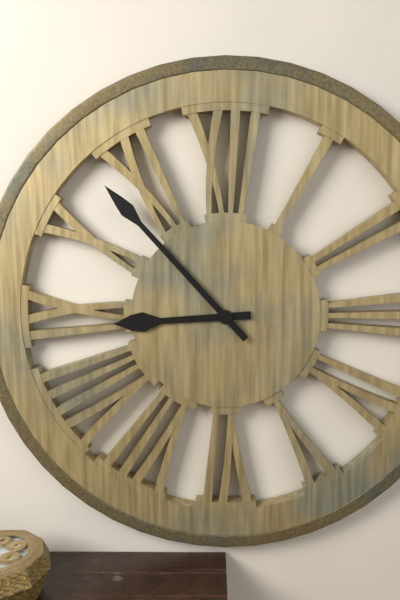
8:53
